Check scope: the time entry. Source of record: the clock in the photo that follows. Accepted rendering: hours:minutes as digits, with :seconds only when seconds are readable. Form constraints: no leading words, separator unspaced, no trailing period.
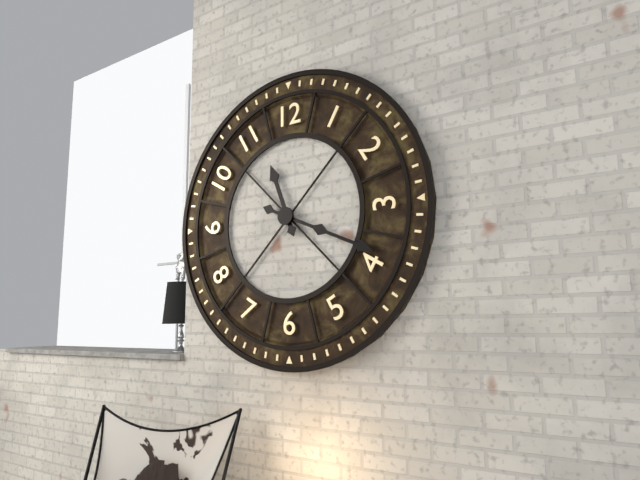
11:19
